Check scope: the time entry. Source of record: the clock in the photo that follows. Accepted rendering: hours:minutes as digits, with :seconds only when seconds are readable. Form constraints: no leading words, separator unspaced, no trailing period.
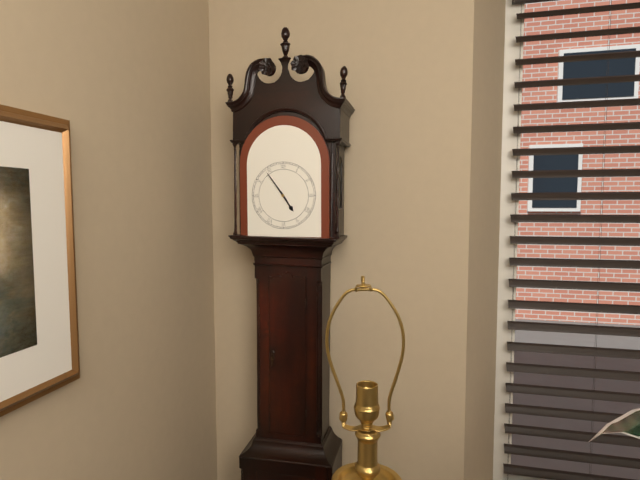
4:54
